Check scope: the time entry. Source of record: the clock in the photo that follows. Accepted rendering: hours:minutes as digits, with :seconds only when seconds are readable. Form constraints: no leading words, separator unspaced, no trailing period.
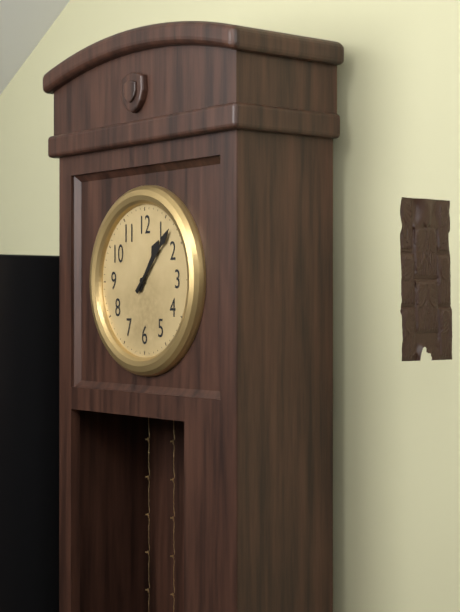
1:07
